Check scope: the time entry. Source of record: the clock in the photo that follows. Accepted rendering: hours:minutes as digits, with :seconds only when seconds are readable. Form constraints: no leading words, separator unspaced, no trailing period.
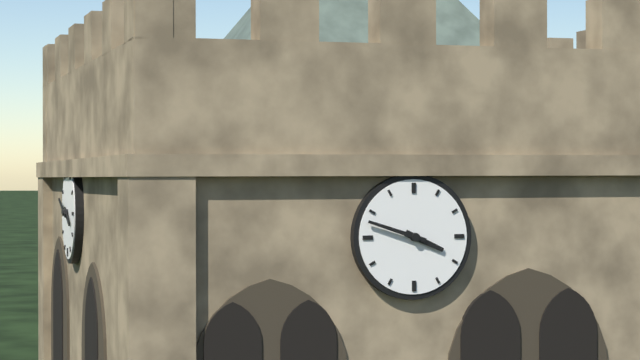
3:48
